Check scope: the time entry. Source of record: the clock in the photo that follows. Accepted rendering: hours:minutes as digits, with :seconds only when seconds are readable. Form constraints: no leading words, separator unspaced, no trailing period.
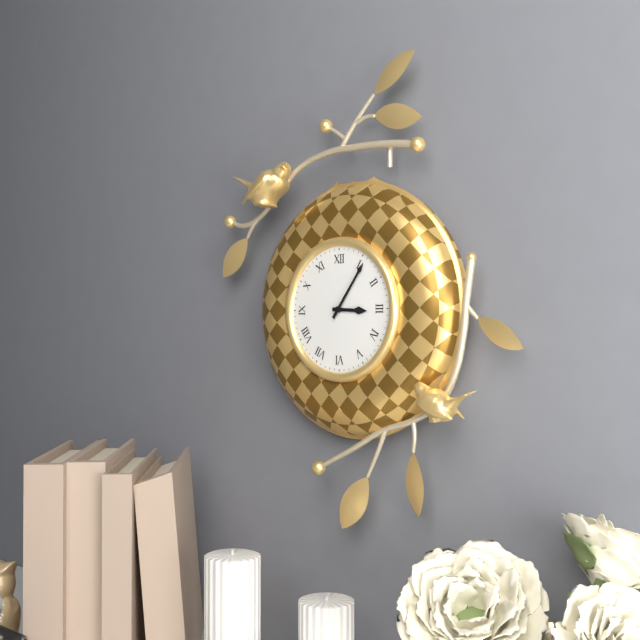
3:06
